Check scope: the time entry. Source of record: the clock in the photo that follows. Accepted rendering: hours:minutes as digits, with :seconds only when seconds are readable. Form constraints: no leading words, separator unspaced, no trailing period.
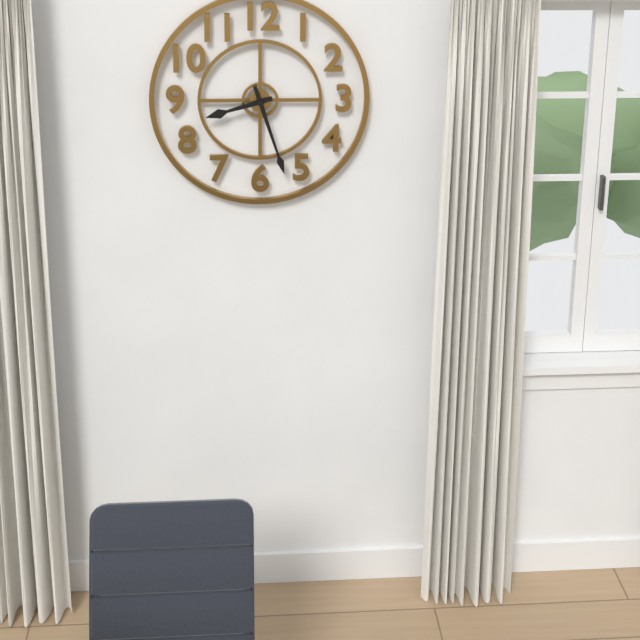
8:27
